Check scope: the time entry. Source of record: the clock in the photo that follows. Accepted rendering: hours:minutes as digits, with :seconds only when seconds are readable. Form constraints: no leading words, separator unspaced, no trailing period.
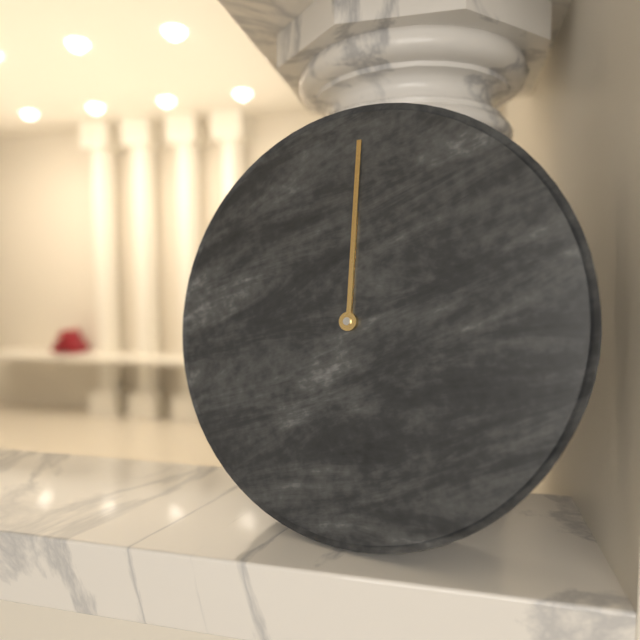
12:00
